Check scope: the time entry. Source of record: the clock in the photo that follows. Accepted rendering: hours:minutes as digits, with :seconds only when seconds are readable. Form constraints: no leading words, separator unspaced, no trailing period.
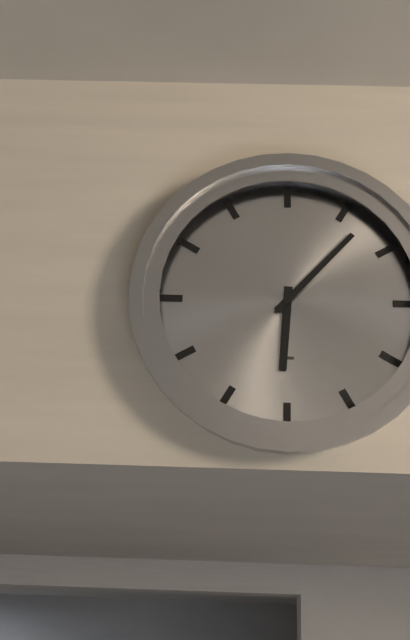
6:07
